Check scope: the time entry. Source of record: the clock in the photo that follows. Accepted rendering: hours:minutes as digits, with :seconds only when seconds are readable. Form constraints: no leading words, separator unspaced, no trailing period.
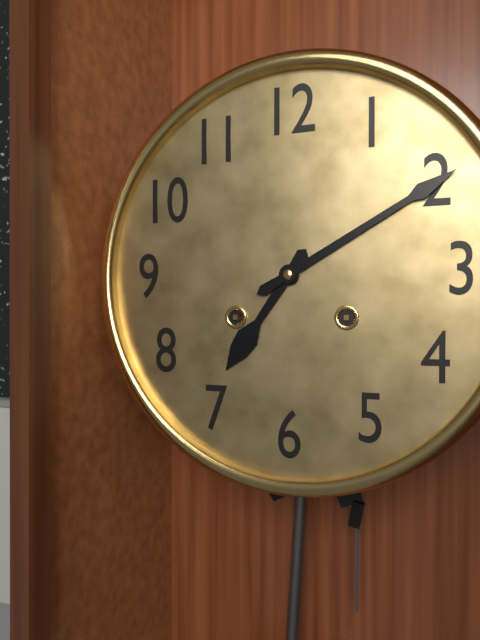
7:10
